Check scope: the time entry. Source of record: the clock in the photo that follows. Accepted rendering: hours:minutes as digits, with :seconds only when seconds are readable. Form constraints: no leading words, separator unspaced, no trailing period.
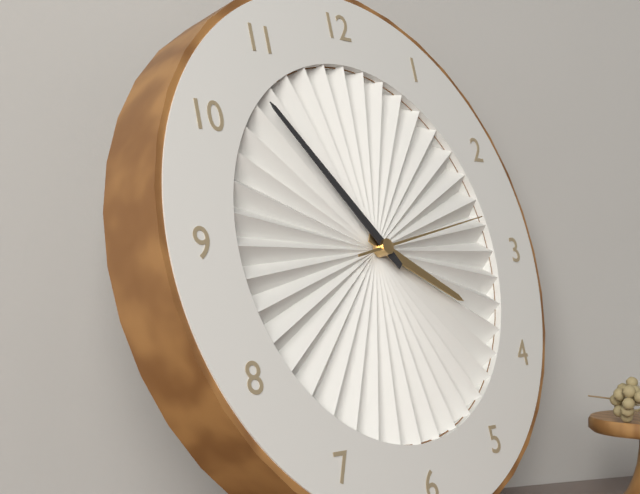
3:53:13
